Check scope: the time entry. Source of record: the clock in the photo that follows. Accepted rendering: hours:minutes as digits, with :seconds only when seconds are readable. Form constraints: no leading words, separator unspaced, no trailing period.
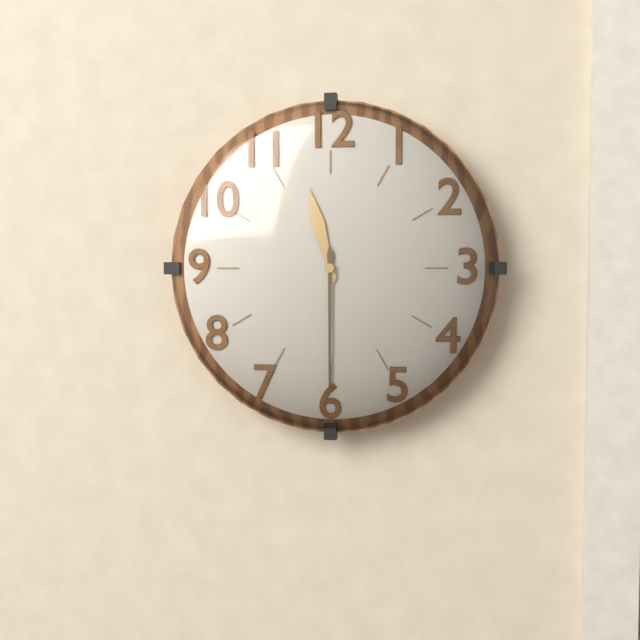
11:30
